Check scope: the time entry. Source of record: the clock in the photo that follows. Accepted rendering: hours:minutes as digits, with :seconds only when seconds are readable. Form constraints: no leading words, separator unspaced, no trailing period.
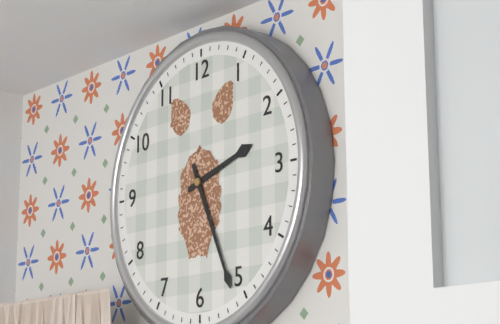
2:26
